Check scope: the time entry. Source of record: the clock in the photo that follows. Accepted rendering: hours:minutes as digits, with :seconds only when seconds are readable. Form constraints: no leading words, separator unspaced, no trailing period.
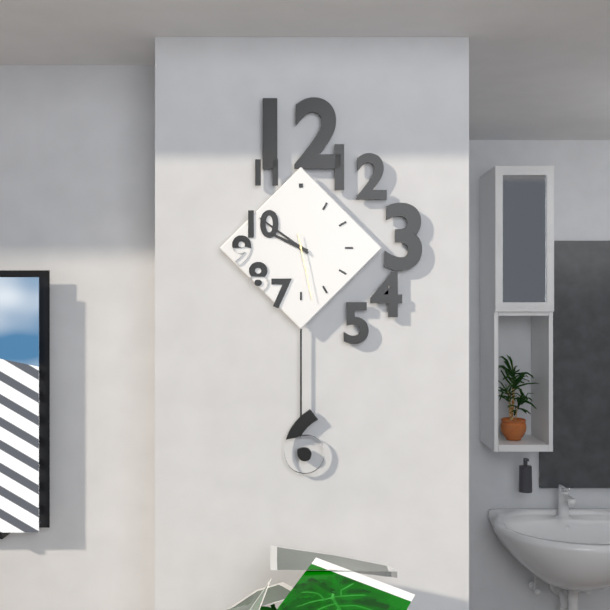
9:51:28
